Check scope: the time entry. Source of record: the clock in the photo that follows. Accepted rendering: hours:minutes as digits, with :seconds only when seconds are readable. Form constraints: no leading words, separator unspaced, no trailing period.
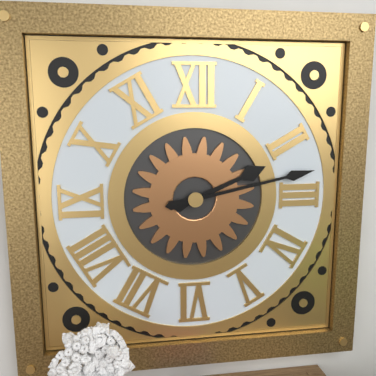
2:13
